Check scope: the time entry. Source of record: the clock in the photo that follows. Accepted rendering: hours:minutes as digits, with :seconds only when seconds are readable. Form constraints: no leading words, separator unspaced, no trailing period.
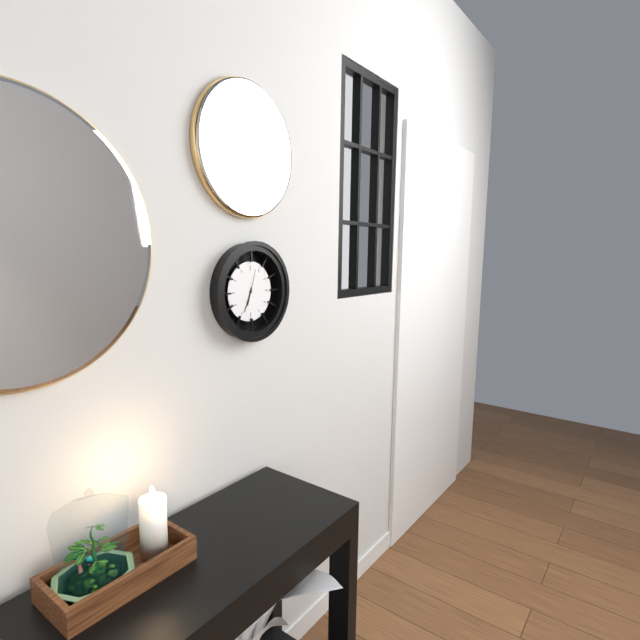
6:34
